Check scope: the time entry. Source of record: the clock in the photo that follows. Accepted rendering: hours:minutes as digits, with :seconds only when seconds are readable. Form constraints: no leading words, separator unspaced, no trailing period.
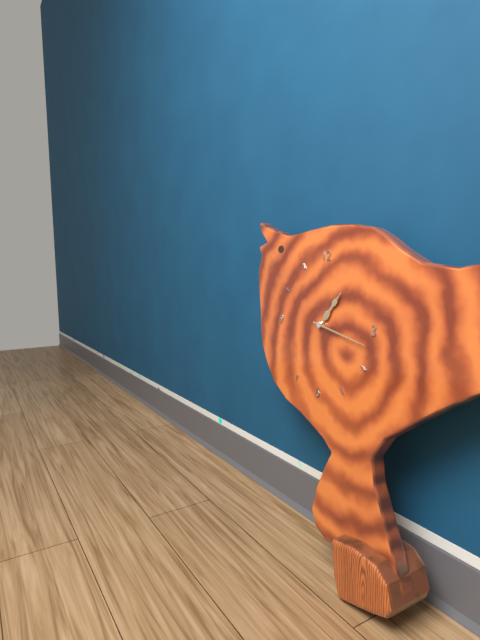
1:17
